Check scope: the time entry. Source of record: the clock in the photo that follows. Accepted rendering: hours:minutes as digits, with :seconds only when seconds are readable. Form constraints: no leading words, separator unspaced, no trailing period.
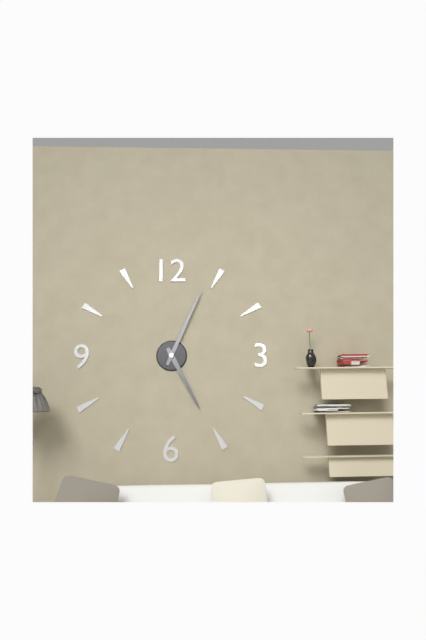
5:04
